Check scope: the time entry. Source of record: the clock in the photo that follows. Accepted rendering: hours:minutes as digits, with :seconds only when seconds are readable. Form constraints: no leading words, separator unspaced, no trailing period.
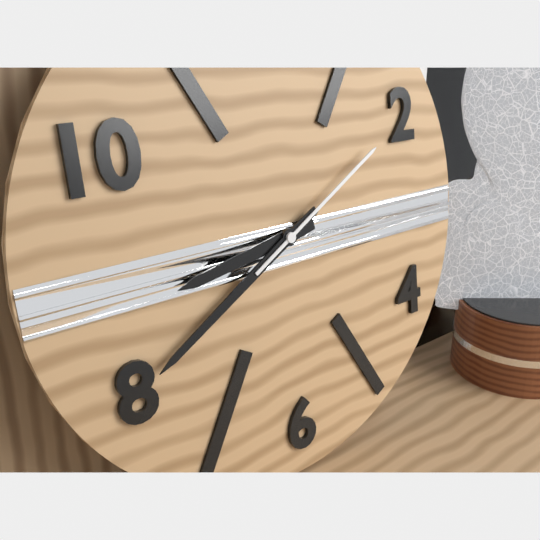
8:40:10
